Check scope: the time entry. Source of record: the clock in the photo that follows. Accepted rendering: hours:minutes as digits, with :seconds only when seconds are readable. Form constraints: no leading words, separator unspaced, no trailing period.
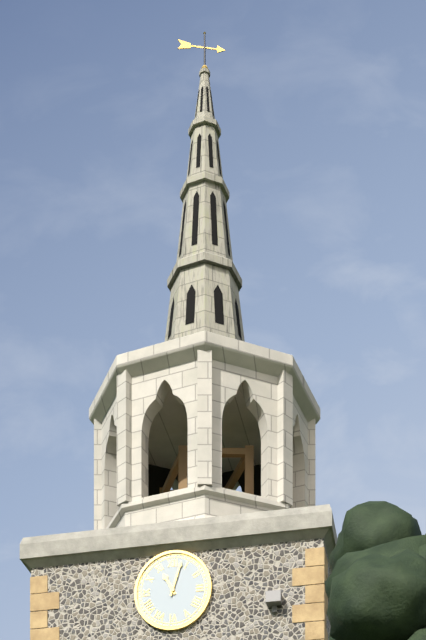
11:03
